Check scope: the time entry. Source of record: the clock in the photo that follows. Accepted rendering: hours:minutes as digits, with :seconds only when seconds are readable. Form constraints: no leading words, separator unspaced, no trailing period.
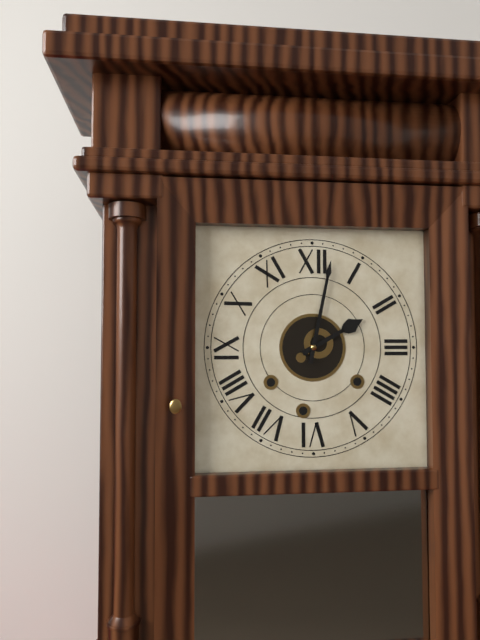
2:02
